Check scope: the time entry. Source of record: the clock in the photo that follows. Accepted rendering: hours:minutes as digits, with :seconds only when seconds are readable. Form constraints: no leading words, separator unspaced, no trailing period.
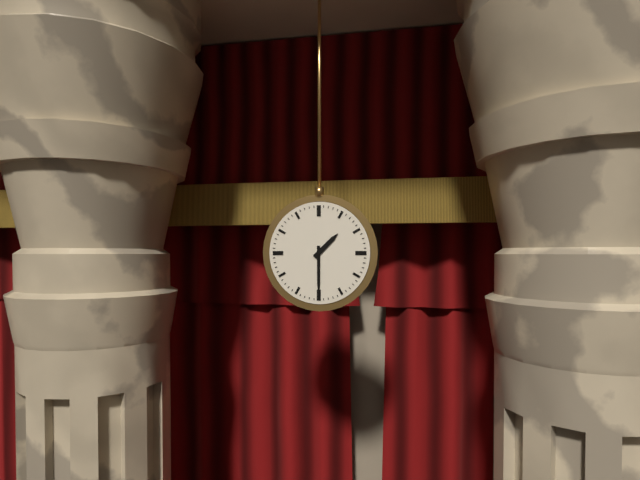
1:30
